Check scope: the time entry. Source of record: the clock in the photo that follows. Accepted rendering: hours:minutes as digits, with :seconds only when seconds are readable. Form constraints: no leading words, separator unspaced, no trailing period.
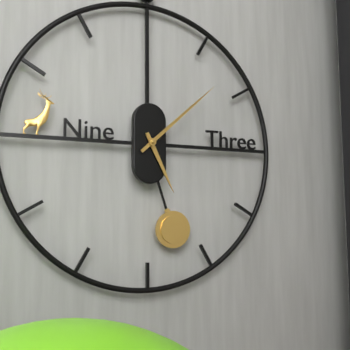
5:08
